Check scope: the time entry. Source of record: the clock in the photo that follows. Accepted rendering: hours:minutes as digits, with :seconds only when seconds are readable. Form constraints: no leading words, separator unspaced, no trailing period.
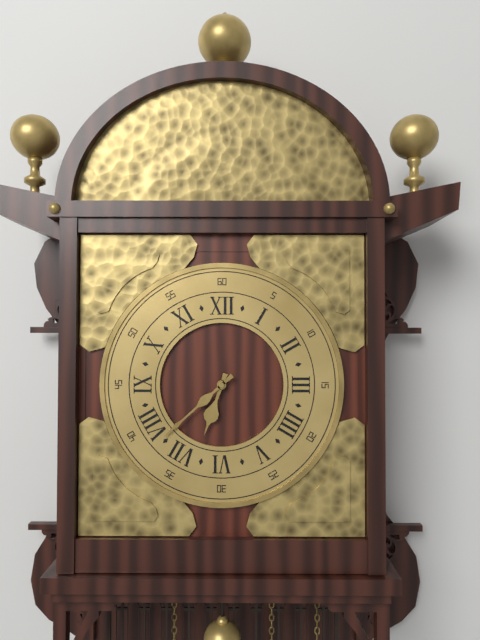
6:38
